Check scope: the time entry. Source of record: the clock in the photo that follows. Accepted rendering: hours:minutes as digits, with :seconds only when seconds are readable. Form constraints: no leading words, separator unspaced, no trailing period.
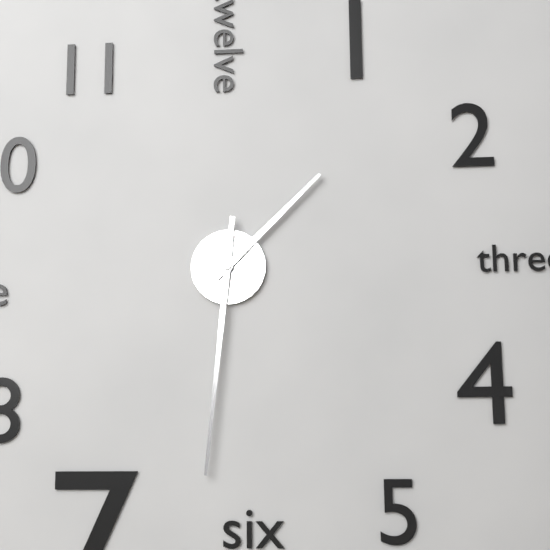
1:31
